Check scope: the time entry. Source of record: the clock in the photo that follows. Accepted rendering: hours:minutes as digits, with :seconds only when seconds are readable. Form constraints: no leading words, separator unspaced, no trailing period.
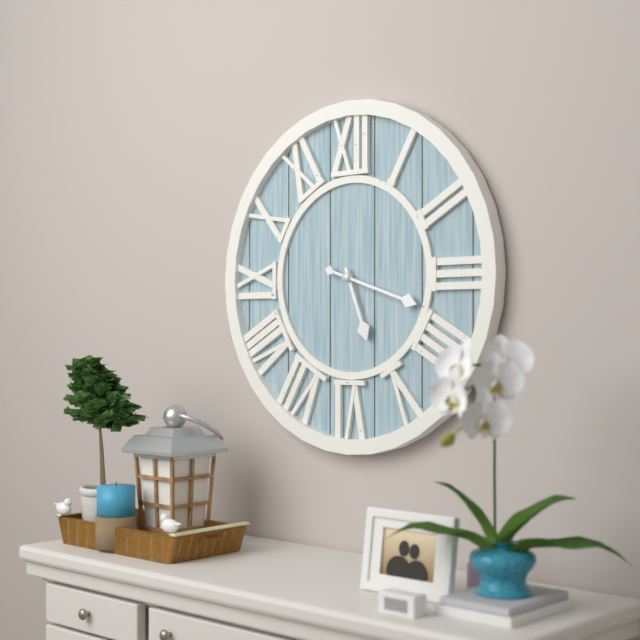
5:18
